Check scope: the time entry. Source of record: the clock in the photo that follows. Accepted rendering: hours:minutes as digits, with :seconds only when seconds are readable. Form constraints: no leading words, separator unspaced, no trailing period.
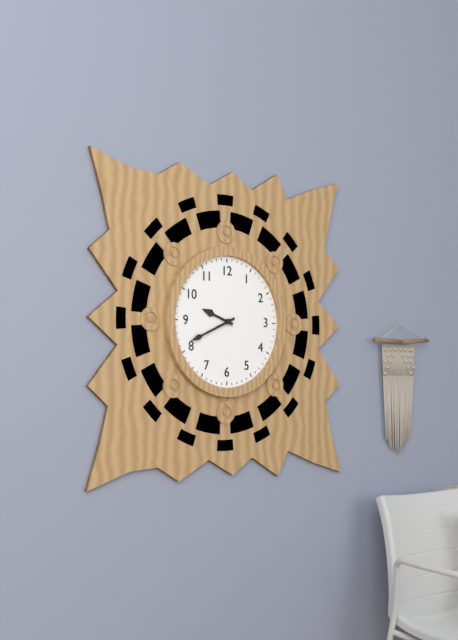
9:41
